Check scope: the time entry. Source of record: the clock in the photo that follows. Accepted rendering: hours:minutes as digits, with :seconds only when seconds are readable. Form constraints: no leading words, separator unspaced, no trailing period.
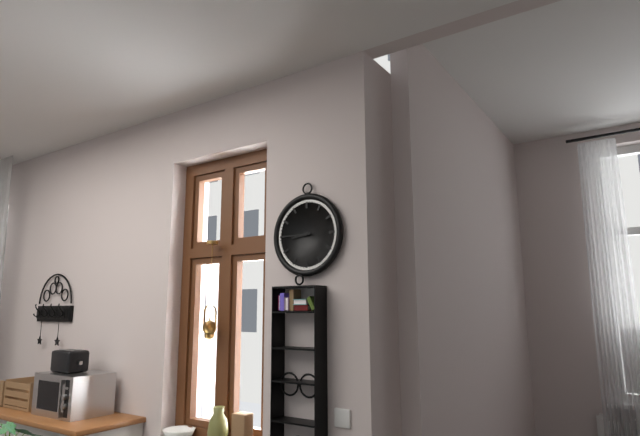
8:45
